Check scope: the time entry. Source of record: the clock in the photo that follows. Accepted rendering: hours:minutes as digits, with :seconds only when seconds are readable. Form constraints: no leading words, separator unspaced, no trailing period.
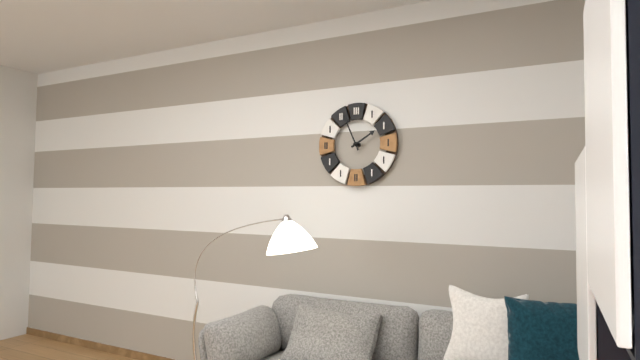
1:56
